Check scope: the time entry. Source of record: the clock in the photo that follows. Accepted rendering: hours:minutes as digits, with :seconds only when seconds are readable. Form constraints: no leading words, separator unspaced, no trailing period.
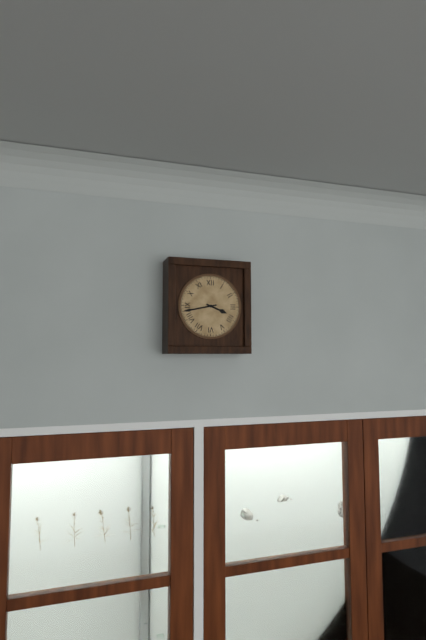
3:43
